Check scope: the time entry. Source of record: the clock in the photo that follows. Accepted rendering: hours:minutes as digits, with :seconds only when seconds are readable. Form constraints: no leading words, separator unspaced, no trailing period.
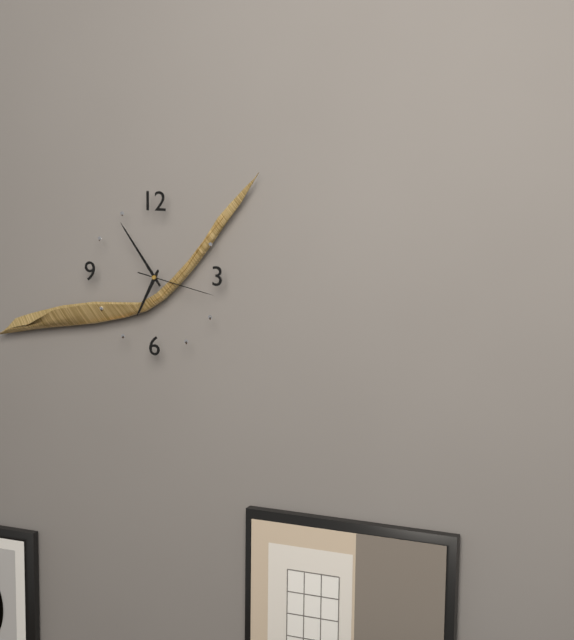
6:54:17
